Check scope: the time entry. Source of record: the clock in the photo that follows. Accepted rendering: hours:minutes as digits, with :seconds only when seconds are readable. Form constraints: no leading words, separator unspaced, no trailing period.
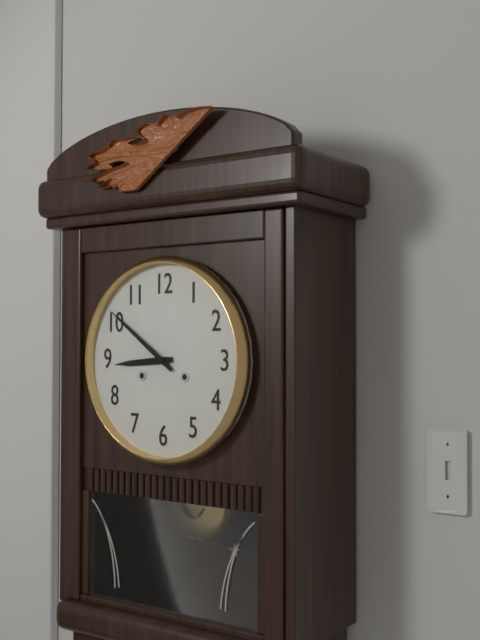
8:51
